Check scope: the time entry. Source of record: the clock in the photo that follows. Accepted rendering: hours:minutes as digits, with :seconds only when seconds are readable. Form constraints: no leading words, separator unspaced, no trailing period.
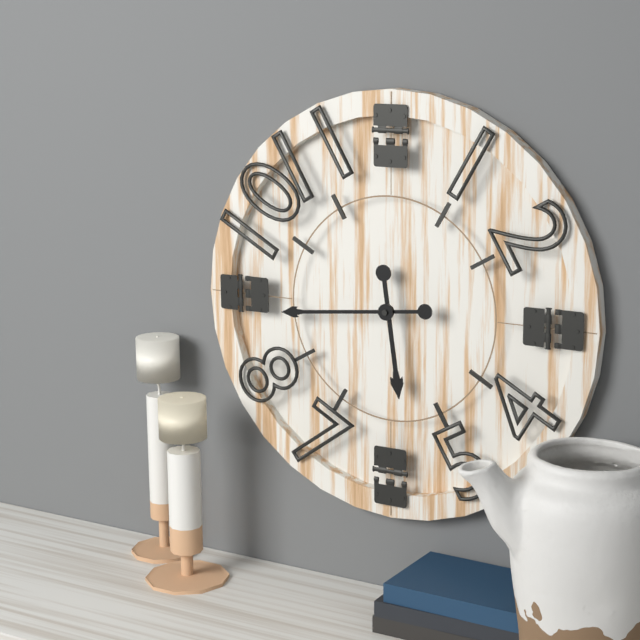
5:44
